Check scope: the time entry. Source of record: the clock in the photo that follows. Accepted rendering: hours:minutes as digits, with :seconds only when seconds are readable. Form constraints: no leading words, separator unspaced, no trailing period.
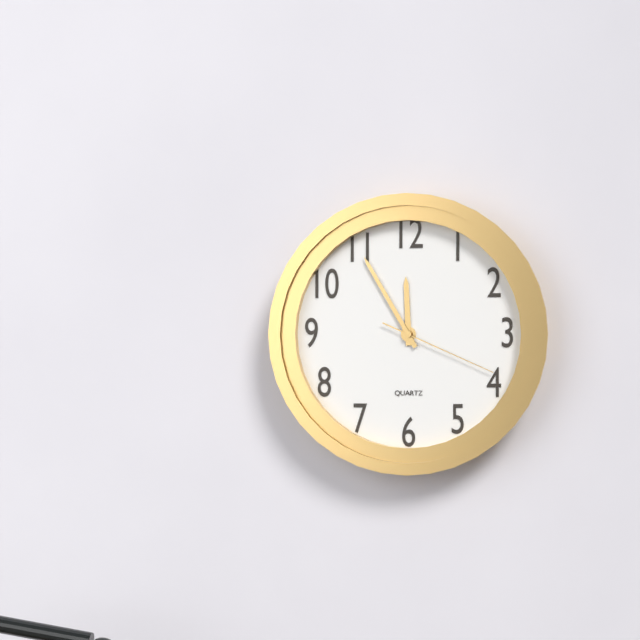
11:55:19
